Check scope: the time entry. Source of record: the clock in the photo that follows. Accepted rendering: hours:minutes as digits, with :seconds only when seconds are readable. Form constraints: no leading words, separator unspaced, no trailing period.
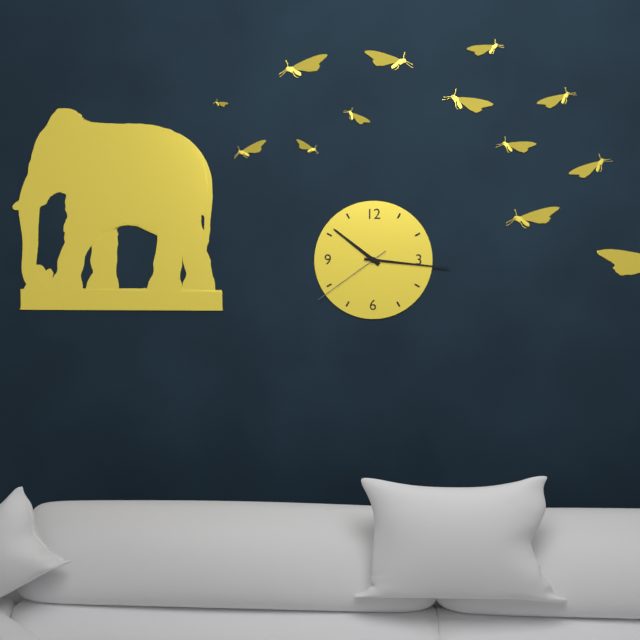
10:16:39
